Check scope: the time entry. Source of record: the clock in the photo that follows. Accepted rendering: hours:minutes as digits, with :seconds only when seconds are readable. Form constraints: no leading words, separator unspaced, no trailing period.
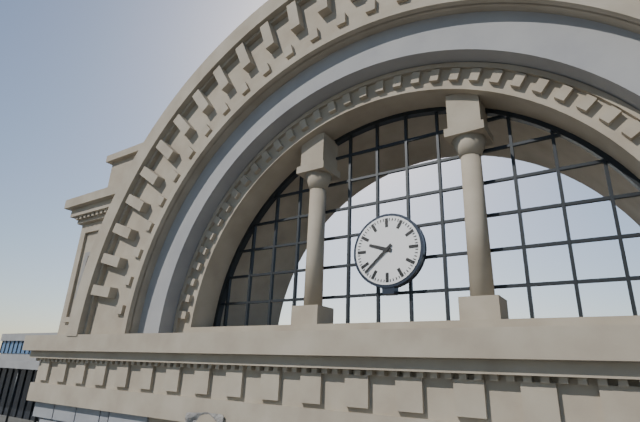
9:38
